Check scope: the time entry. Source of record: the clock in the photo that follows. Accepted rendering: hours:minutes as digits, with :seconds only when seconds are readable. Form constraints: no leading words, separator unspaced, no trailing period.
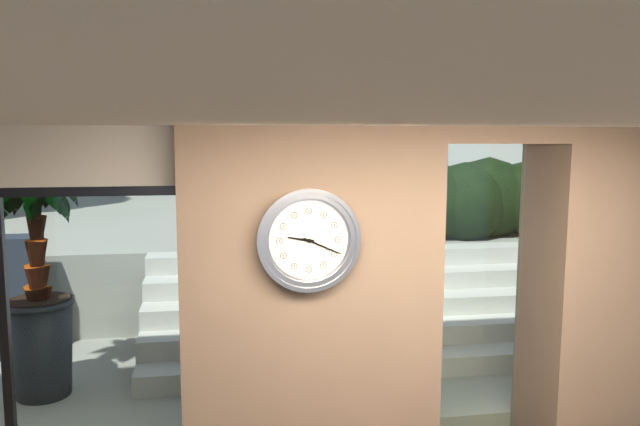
9:19
